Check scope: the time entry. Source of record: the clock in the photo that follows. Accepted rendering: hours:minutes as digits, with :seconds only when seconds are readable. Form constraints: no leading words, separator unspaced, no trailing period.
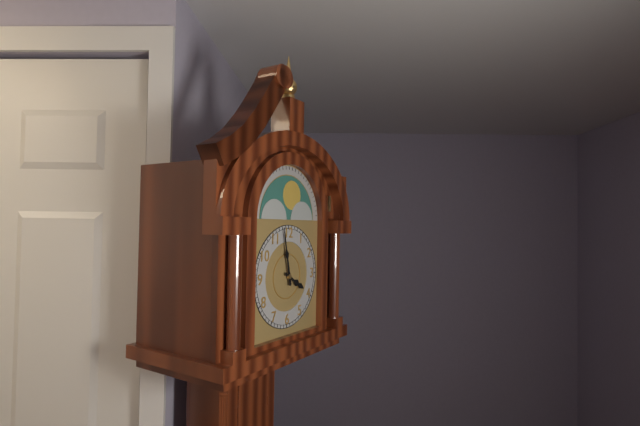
3:58
